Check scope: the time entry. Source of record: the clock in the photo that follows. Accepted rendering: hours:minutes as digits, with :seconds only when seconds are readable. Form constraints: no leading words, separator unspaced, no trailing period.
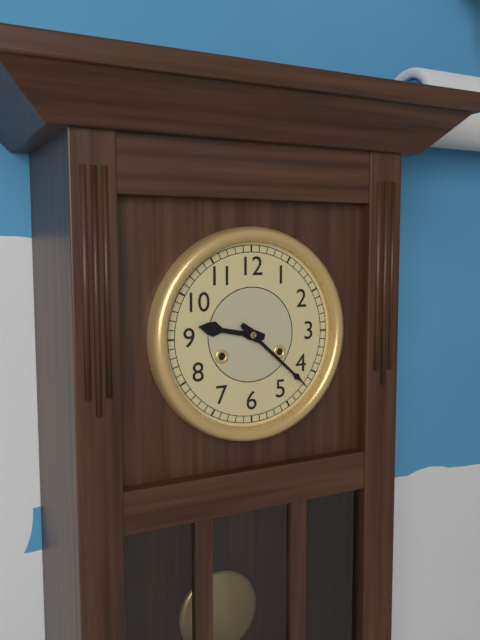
9:22
